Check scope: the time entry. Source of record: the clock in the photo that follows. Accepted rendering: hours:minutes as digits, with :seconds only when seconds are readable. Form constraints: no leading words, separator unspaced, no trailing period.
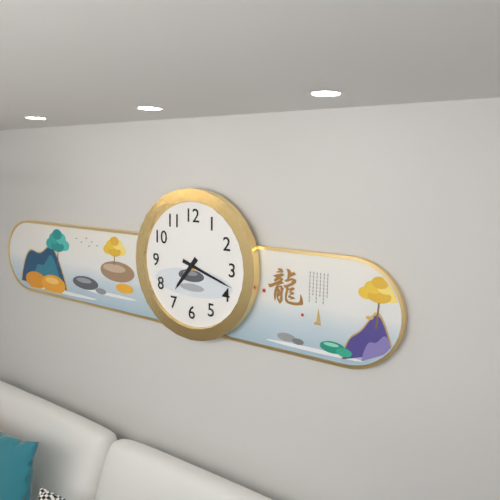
7:18
